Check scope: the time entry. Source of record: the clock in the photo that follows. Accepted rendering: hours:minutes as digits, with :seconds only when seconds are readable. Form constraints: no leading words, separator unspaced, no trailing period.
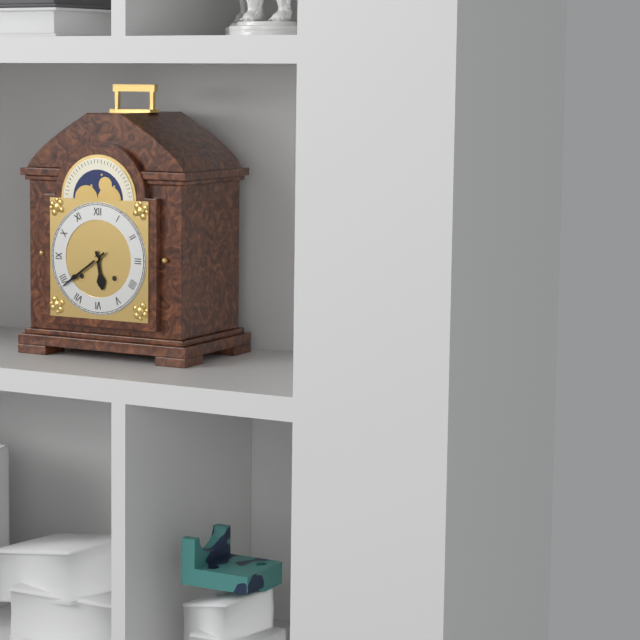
5:39
